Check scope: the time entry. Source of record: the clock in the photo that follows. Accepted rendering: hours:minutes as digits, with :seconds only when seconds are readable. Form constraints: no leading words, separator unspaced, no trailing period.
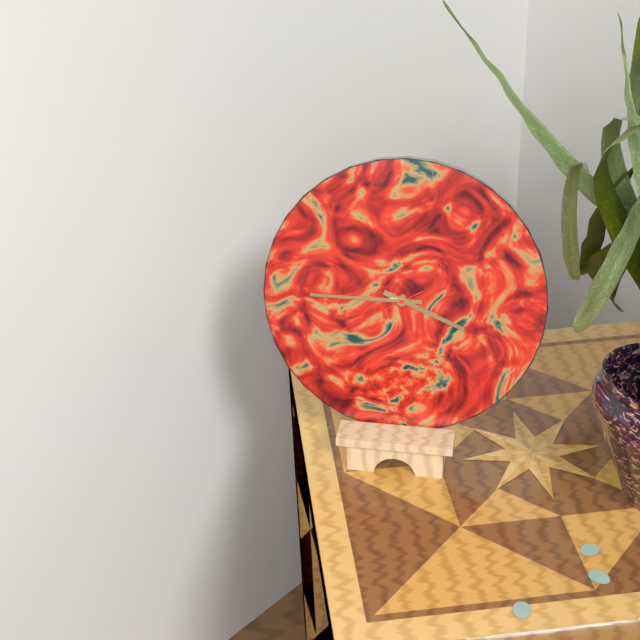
3:45:40
